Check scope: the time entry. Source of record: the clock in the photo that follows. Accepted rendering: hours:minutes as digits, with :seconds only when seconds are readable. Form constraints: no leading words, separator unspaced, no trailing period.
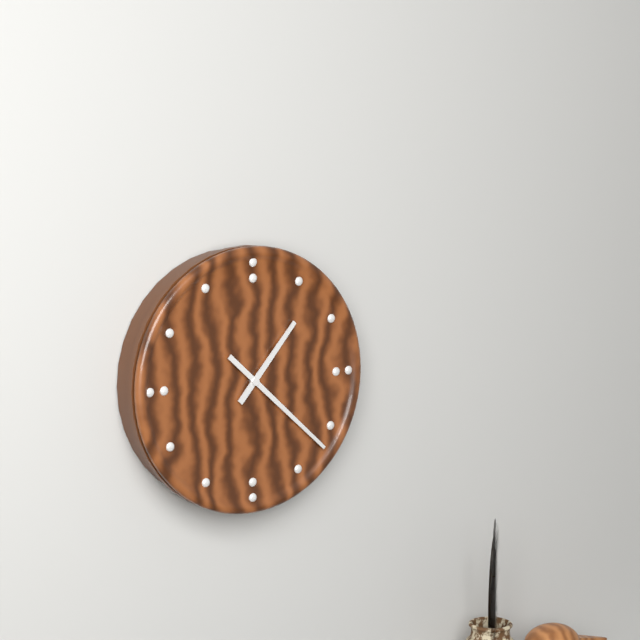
1:22
